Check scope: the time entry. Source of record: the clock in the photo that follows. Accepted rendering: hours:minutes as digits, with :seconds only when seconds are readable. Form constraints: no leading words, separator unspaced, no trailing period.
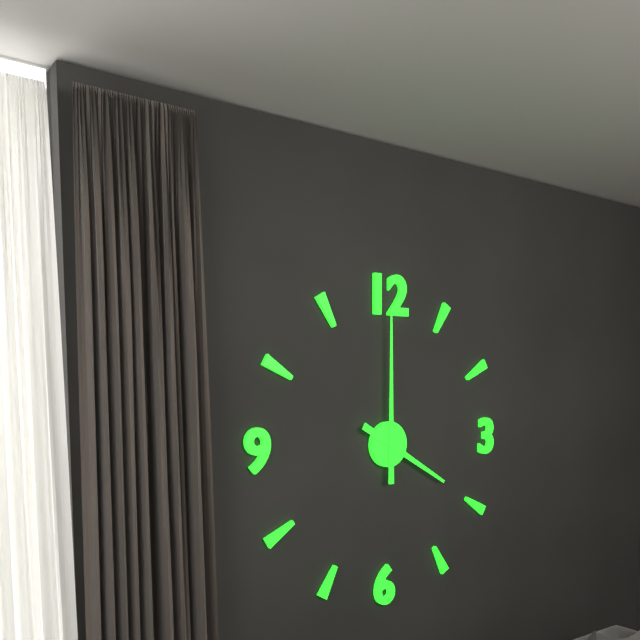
4:00
